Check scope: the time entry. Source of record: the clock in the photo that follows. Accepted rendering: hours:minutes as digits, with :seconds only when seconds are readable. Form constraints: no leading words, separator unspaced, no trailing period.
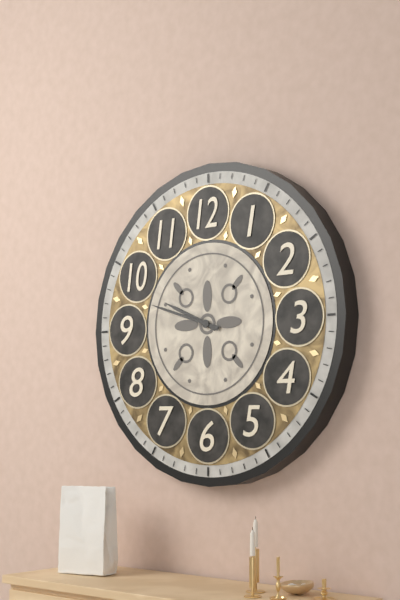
9:48
